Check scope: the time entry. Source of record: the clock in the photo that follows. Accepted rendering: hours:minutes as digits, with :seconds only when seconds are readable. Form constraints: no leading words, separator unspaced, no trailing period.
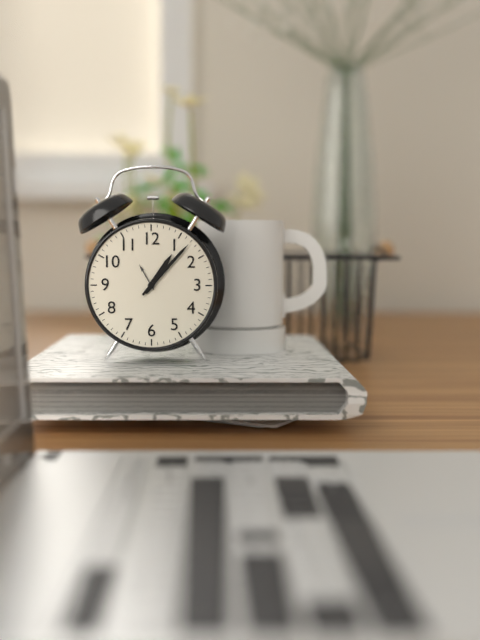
1:07
